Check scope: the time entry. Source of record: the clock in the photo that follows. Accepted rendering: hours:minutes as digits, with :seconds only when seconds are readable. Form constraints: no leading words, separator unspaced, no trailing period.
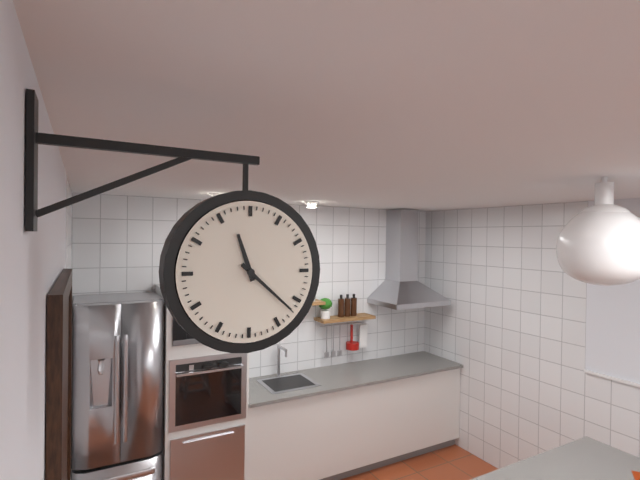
11:22
